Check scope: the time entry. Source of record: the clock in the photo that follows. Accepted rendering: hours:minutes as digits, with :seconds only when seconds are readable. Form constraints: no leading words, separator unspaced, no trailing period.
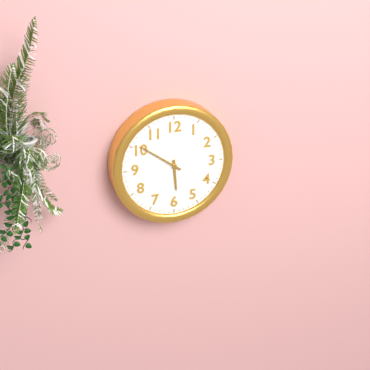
5:51
